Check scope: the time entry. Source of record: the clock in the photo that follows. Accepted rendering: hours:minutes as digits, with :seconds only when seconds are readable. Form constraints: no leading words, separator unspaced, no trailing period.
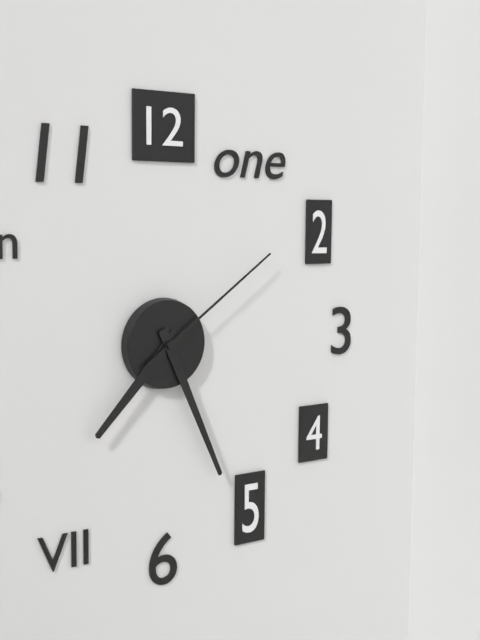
7:26:09
